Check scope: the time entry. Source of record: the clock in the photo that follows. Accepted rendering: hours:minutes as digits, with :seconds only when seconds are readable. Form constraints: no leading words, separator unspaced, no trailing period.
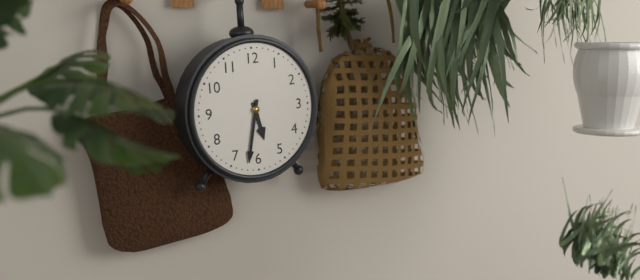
5:32
